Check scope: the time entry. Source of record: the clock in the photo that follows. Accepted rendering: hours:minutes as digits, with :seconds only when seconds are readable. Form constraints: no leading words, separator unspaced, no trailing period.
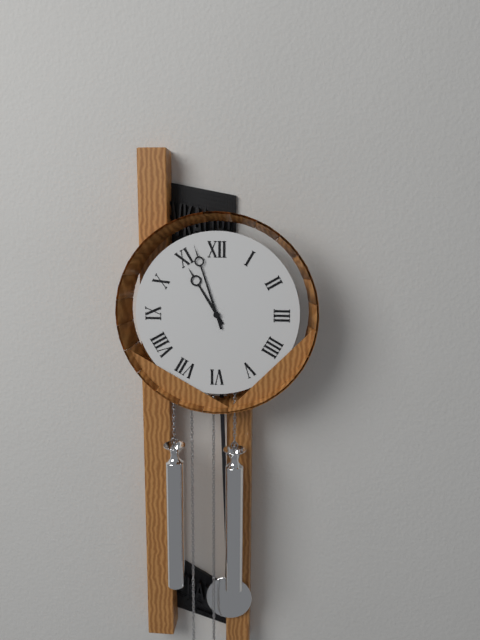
10:57
